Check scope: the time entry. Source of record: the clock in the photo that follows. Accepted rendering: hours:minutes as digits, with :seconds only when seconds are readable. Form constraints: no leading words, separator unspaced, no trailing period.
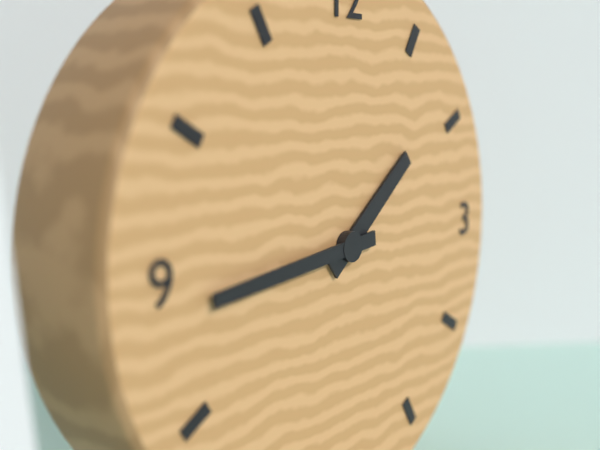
1:44
